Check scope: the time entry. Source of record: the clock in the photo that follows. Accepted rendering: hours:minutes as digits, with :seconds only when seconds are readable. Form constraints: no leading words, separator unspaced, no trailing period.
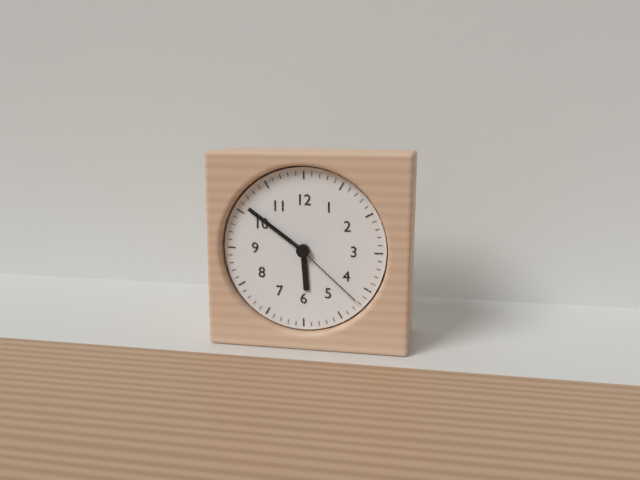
5:51:22
